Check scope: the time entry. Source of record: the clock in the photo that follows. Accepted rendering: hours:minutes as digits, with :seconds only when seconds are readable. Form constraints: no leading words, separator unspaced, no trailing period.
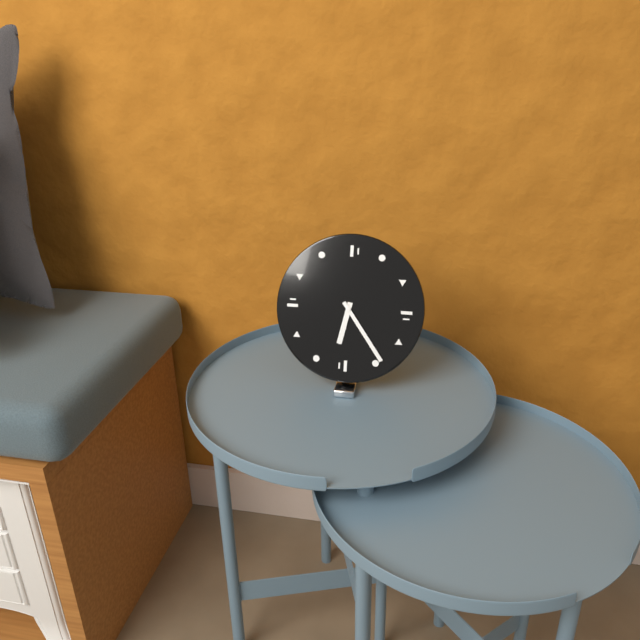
6:24
